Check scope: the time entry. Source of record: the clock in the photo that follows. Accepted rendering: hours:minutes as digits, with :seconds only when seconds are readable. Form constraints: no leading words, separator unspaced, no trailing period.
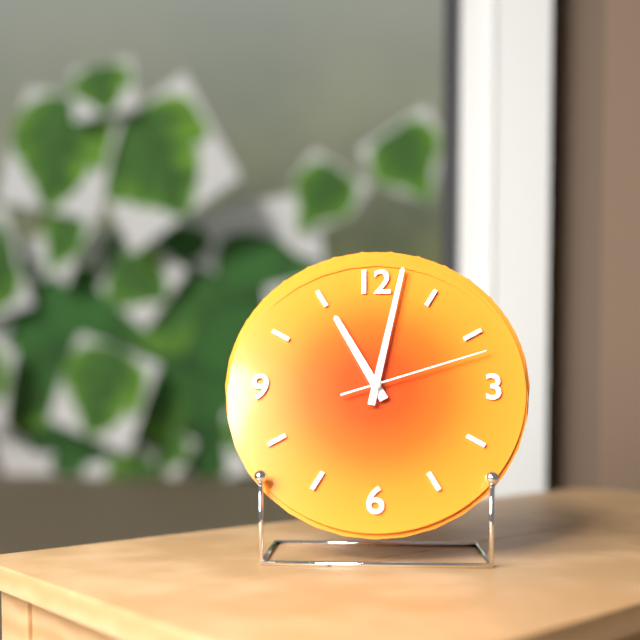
11:02:12
